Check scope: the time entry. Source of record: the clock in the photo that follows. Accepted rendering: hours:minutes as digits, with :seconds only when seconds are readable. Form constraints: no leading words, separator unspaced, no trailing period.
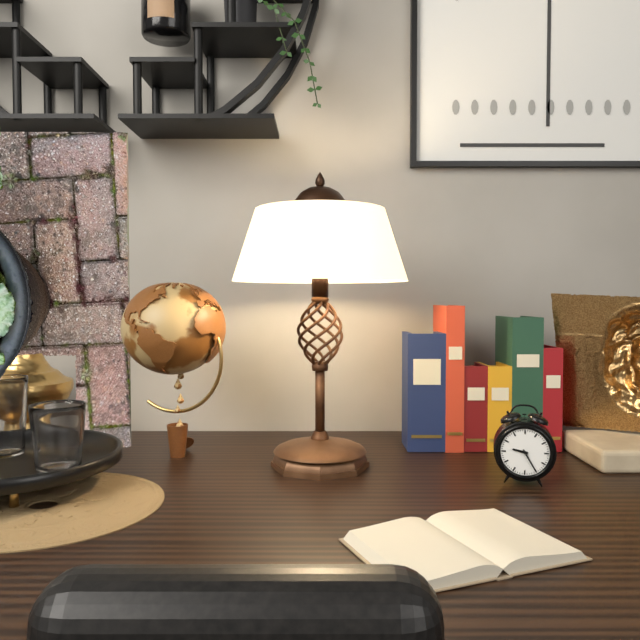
9:25
